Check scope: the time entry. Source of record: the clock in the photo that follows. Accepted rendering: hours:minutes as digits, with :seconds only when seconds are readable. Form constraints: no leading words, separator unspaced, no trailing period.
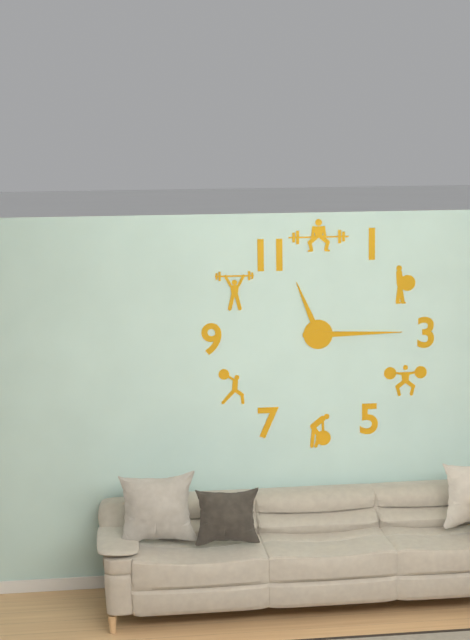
11:15
